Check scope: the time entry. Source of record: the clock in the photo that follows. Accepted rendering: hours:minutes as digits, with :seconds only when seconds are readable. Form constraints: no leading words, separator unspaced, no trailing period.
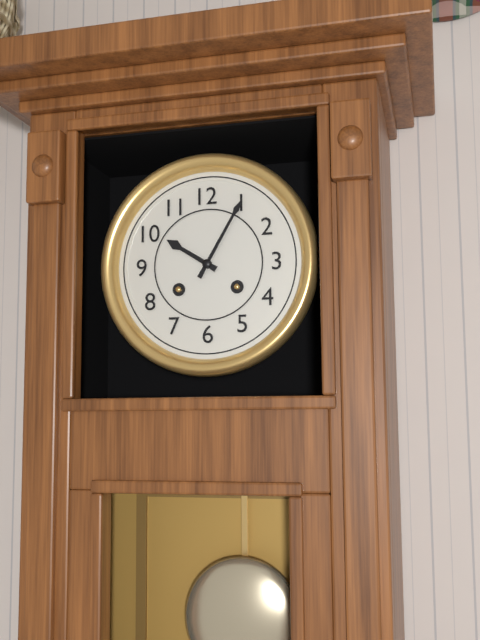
10:05
